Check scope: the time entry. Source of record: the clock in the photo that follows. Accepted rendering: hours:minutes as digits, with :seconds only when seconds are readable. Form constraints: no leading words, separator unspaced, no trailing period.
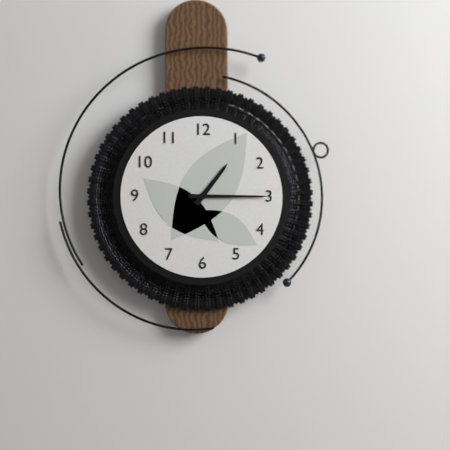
1:15
